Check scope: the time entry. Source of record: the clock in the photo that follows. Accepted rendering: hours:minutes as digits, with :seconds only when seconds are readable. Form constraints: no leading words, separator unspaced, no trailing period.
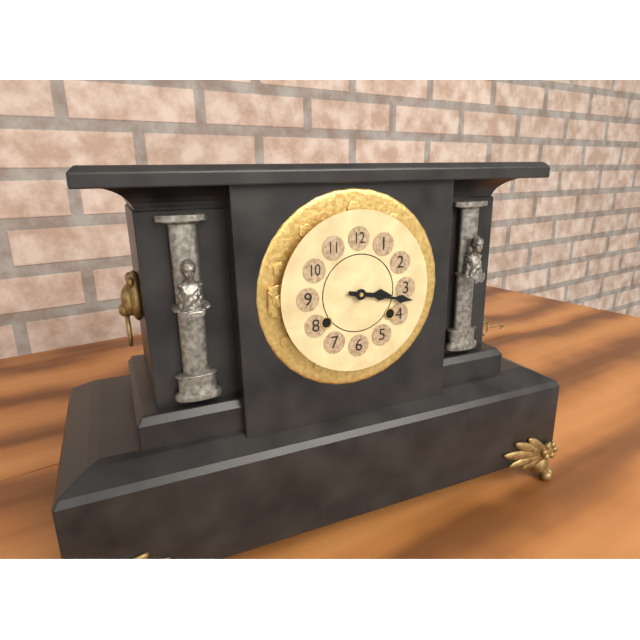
3:17
